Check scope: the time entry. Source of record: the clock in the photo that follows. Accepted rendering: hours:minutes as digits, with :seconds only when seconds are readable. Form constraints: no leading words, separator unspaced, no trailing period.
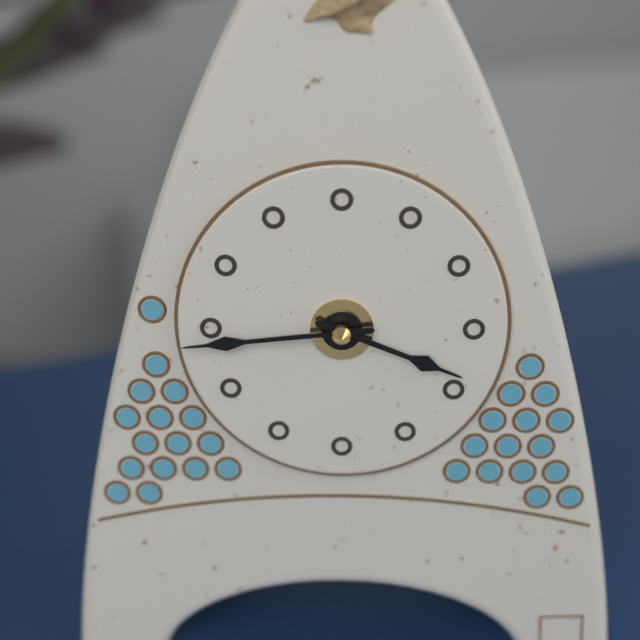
3:44
